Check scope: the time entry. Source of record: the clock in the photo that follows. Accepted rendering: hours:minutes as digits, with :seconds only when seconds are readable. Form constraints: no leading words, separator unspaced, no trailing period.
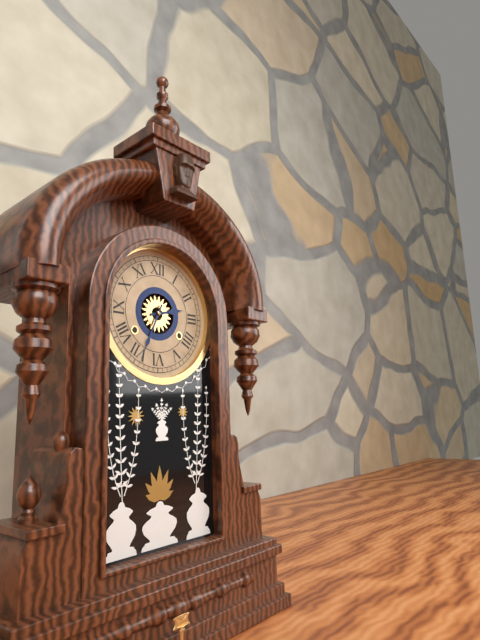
2:34
